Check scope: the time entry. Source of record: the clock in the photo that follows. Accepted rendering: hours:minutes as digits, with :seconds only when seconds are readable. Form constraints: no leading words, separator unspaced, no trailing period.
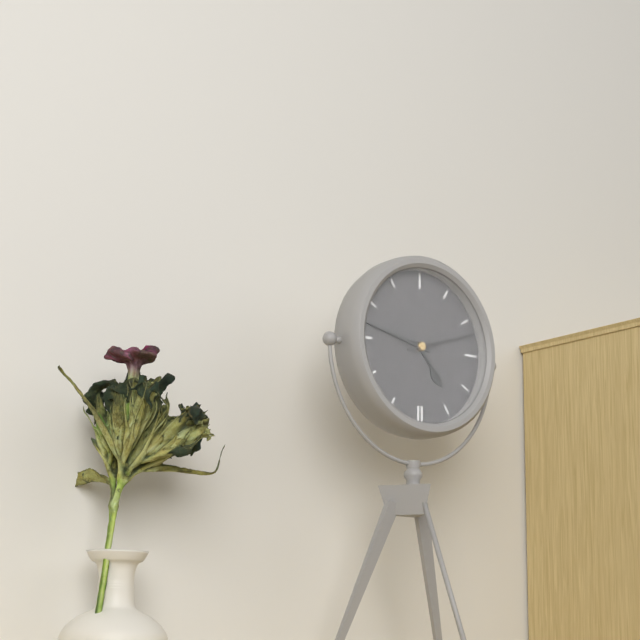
4:47:12
